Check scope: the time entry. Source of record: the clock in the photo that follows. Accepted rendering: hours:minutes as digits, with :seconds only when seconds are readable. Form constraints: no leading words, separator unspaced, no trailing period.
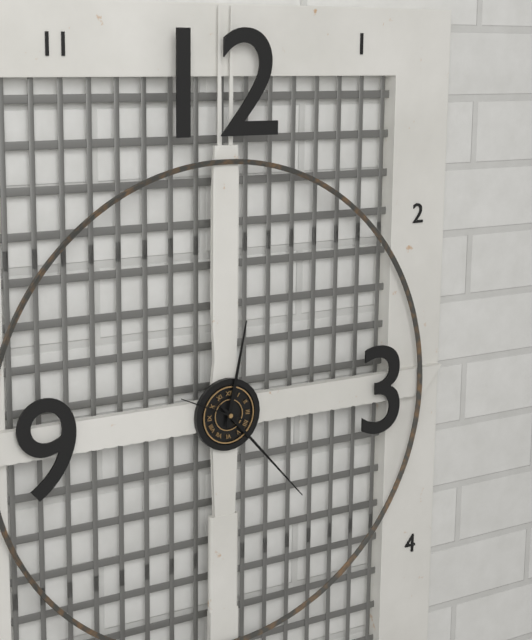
12:23
